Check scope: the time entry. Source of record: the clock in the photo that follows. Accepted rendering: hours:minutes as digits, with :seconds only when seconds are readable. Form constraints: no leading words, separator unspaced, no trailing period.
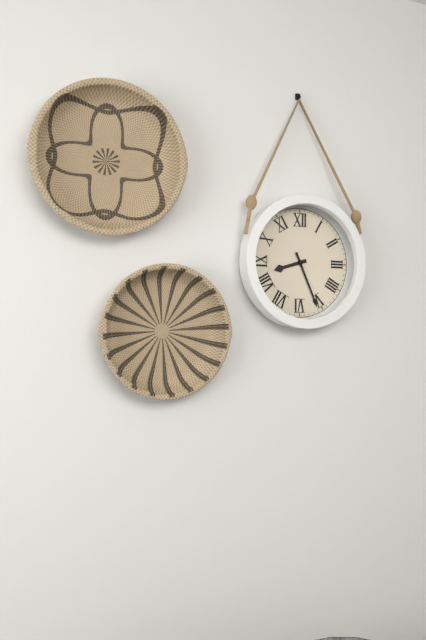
8:26
